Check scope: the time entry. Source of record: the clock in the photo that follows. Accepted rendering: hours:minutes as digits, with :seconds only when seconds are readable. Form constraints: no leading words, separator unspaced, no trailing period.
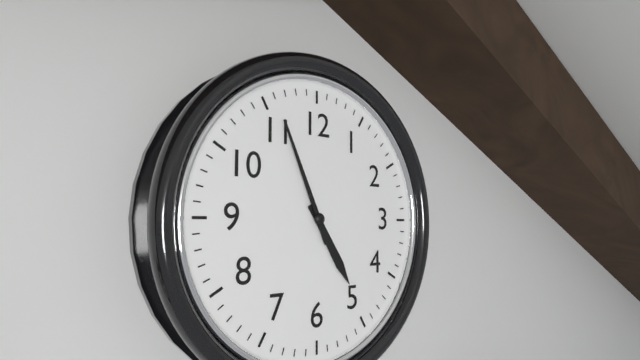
4:56
